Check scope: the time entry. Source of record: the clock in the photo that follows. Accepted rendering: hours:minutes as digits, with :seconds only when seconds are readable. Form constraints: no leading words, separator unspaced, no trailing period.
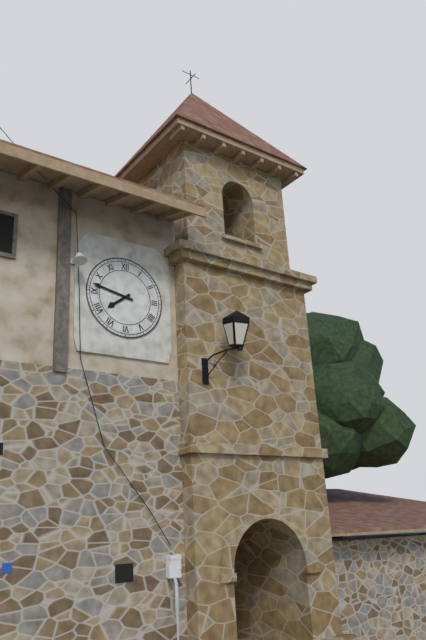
7:47
